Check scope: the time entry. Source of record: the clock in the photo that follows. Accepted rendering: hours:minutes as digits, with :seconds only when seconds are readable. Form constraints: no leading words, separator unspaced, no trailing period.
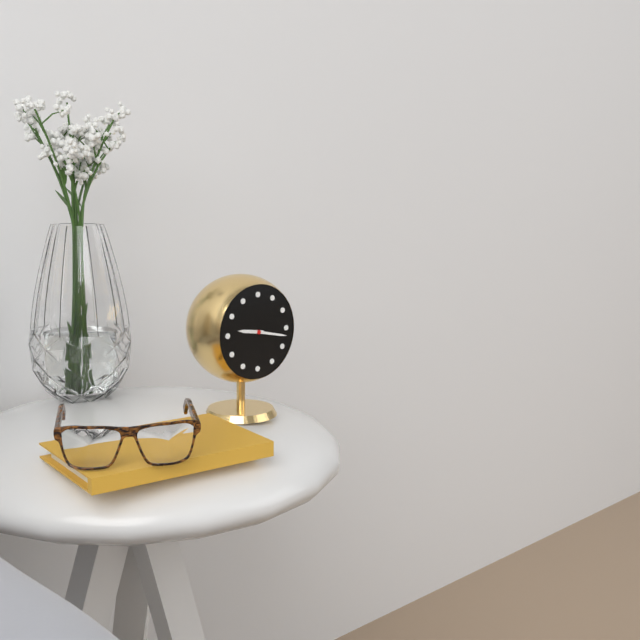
9:17
